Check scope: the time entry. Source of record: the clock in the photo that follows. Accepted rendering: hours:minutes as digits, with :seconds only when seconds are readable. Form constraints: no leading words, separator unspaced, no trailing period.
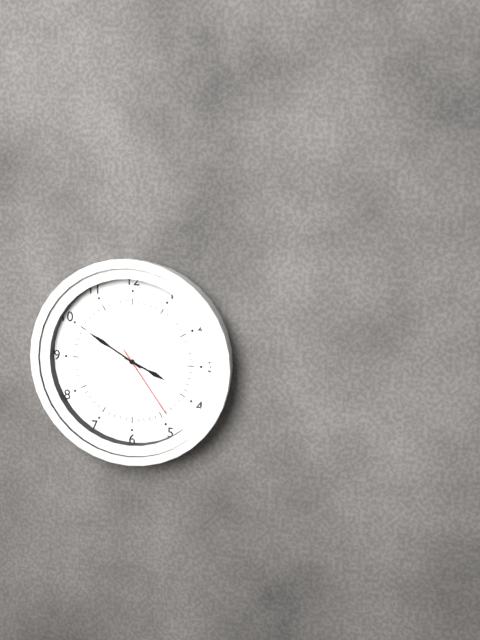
3:50:24
